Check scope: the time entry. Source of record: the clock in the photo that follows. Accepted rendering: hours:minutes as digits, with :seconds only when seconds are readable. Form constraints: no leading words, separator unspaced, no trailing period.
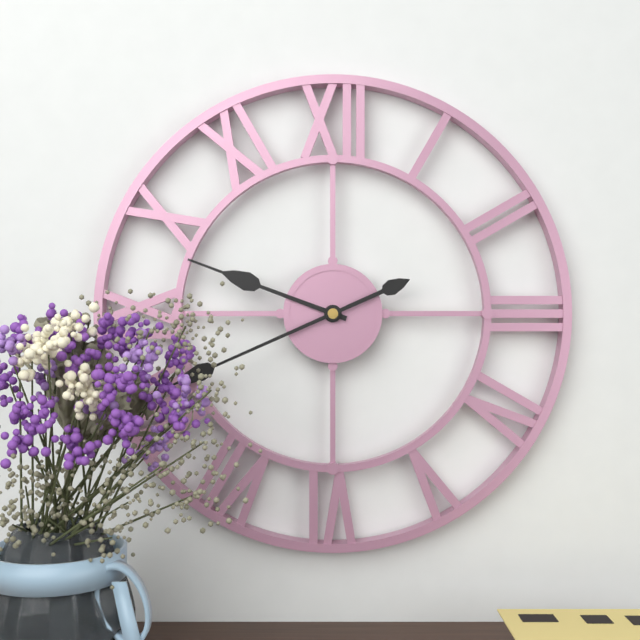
9:41
